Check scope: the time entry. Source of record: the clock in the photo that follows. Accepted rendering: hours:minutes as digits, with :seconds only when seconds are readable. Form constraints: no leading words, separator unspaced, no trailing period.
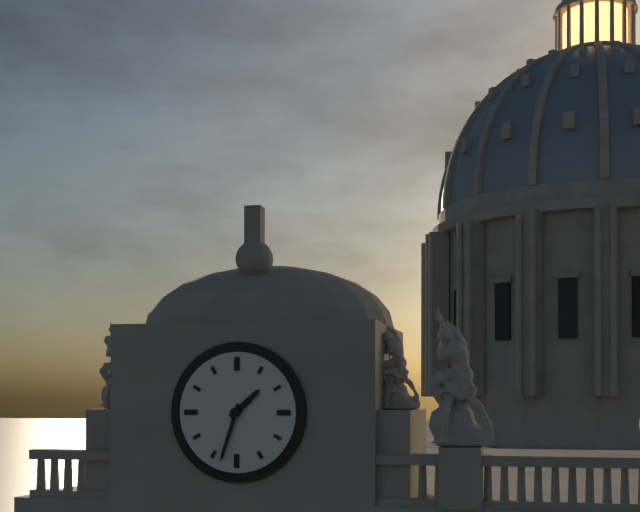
1:33
